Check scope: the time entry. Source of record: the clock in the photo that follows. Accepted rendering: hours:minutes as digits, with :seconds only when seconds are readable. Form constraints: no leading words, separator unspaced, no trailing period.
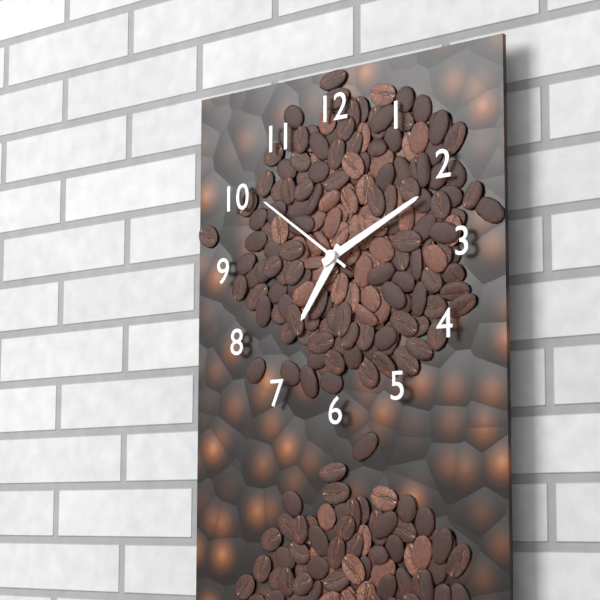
7:11:51
